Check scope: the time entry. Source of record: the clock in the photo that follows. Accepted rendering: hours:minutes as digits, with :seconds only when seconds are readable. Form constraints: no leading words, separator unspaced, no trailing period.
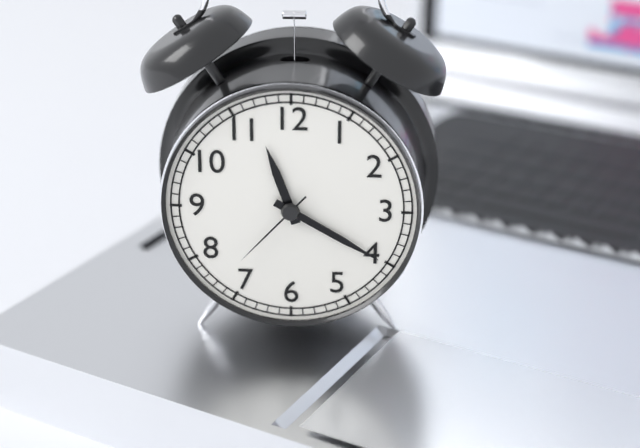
11:20:37
